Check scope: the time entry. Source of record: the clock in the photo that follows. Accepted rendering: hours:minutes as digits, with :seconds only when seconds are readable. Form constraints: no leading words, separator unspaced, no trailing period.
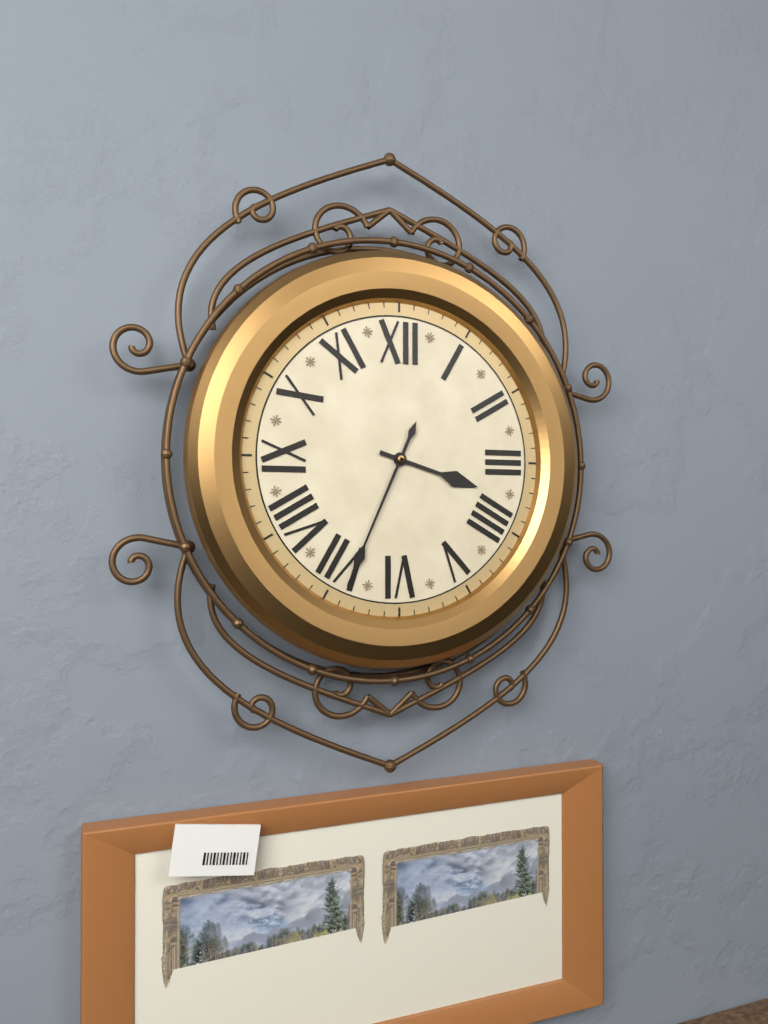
3:34
